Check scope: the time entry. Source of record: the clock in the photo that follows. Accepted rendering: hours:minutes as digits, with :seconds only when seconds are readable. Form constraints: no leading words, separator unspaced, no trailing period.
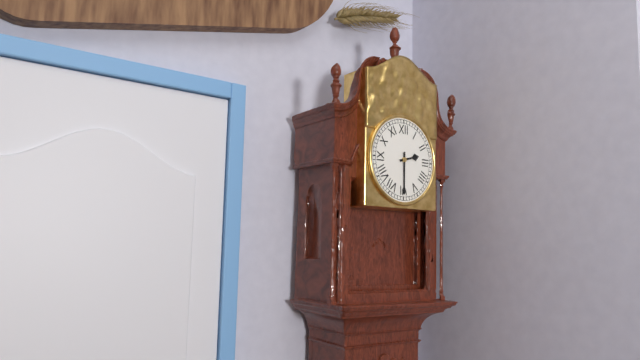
2:30
